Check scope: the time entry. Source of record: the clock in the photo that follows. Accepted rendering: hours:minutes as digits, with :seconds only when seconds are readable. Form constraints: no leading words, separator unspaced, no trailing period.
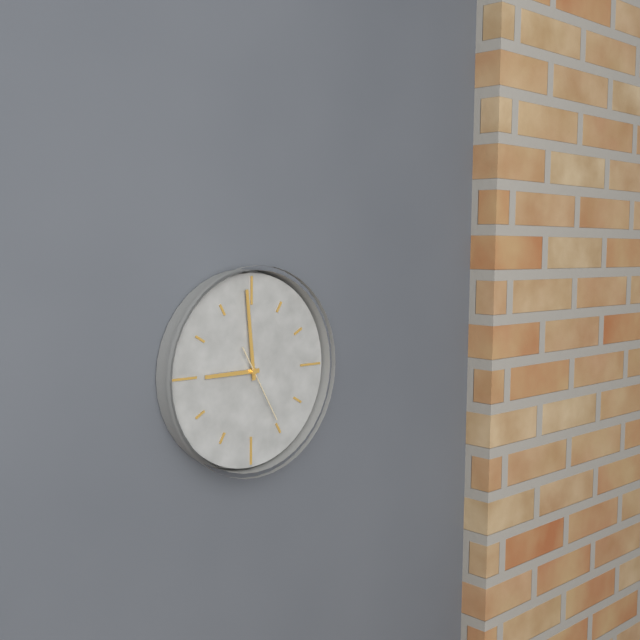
8:59:25
